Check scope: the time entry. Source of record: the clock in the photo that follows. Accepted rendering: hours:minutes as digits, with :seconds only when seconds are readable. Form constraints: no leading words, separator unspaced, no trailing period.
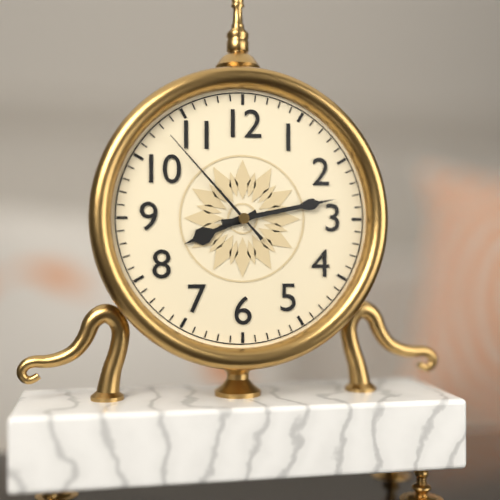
8:13:53
